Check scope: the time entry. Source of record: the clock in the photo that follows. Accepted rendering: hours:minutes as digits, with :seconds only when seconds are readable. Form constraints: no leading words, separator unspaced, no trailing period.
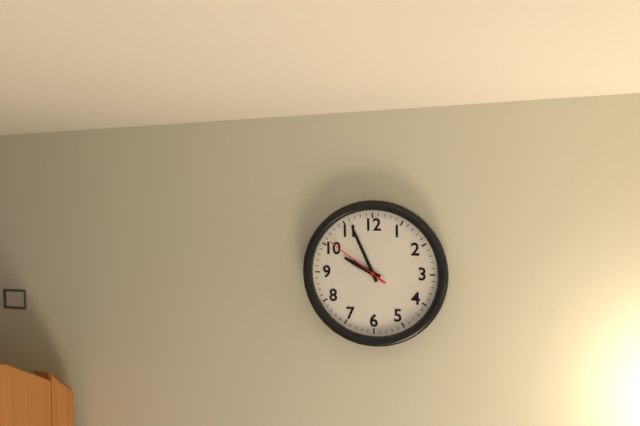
9:56:51
